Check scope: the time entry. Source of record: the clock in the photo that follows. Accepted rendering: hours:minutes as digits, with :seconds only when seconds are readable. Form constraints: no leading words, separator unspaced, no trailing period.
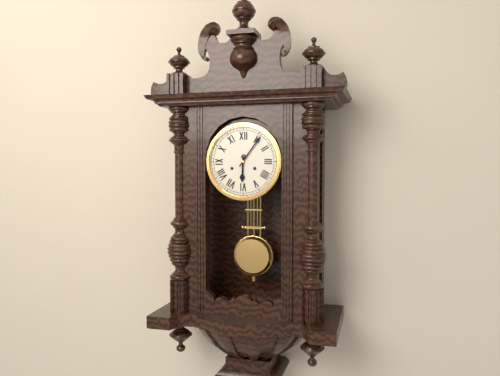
6:06
